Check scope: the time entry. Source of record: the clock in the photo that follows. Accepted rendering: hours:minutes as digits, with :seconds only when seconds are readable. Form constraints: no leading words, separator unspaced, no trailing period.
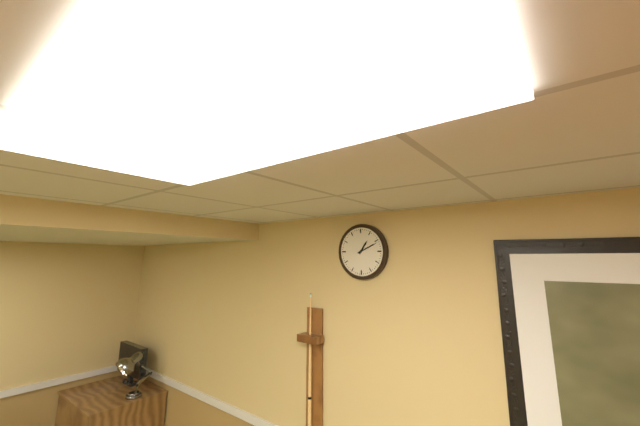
1:11
